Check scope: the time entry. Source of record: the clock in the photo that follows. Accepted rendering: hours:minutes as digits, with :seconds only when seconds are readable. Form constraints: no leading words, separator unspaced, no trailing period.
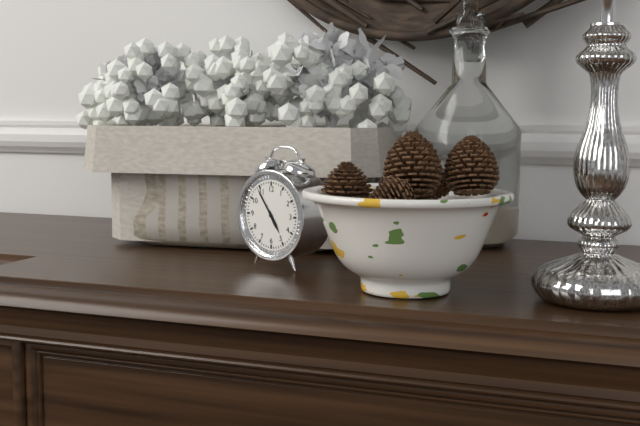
4:54
